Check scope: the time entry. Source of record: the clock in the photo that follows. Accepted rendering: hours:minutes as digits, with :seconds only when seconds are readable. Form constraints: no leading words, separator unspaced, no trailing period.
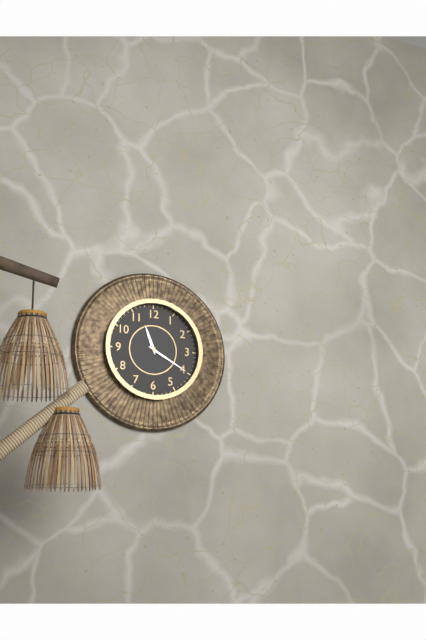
11:20
